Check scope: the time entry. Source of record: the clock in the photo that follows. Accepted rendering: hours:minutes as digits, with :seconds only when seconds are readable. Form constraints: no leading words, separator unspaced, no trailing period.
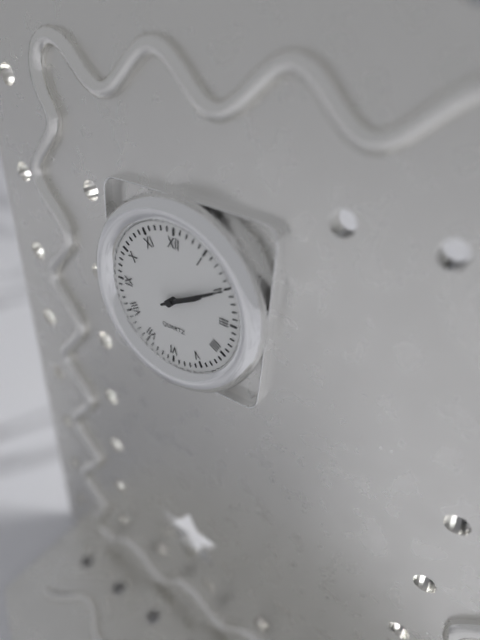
2:10
